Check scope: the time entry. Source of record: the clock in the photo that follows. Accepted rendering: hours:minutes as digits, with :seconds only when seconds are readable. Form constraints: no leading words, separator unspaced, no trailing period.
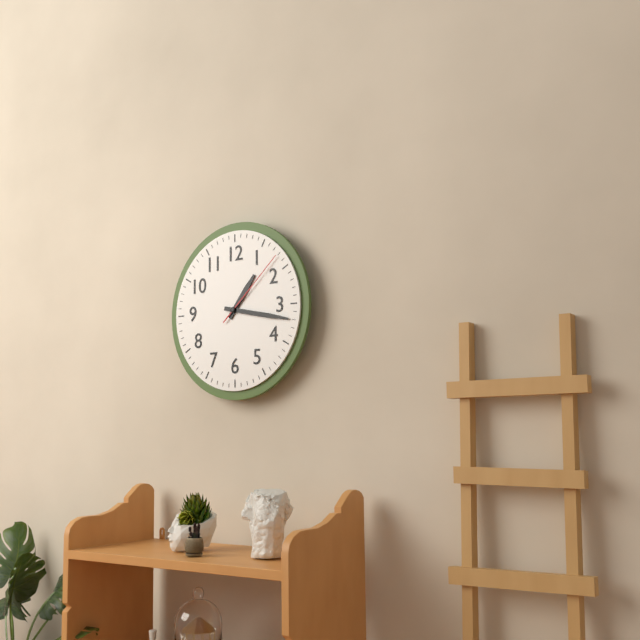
1:17:08
